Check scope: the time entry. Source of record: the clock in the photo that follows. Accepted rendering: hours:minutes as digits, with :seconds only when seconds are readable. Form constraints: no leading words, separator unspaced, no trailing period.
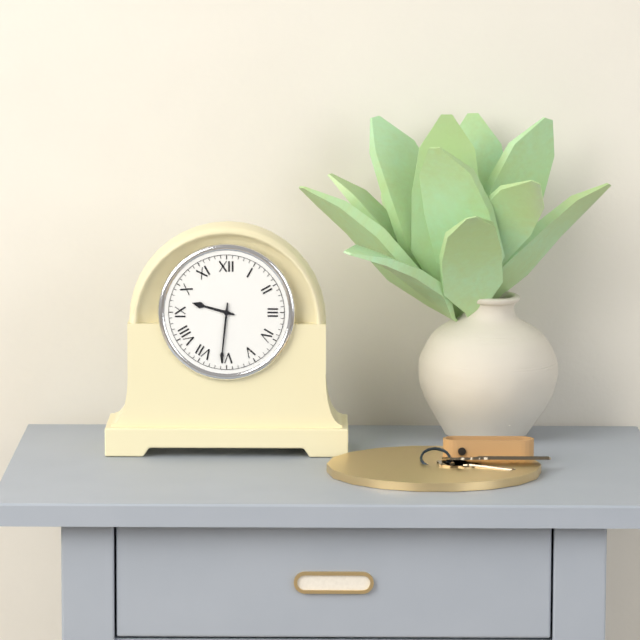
9:31
